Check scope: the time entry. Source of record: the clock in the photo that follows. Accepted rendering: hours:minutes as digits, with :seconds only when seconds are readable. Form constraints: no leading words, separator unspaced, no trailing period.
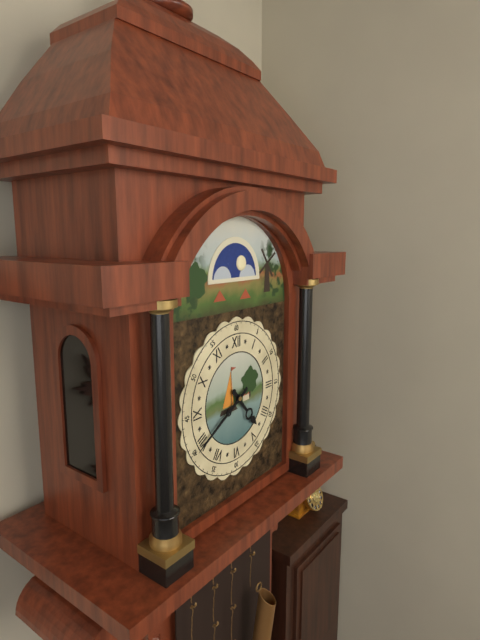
4:40
